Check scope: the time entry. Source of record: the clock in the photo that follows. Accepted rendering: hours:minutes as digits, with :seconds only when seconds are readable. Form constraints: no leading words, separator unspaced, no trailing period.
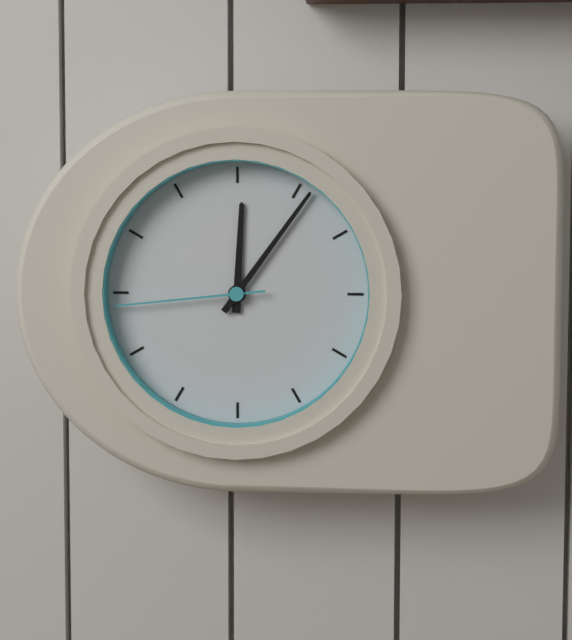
12:06:44
